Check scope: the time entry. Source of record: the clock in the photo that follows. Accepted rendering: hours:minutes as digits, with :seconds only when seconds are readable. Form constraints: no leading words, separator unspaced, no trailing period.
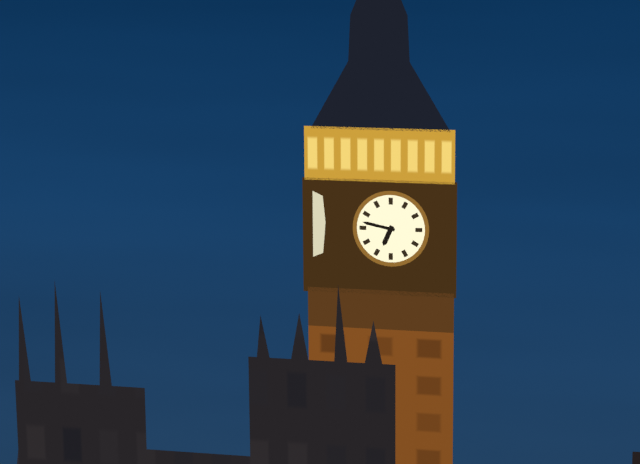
6:47
